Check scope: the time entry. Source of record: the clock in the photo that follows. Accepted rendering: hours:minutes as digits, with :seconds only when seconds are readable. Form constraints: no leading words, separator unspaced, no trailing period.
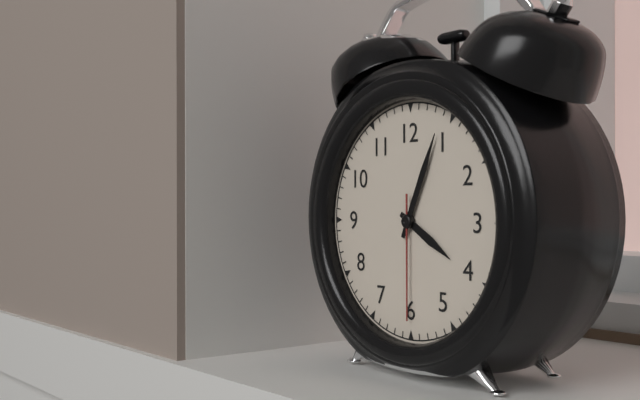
4:04:30
